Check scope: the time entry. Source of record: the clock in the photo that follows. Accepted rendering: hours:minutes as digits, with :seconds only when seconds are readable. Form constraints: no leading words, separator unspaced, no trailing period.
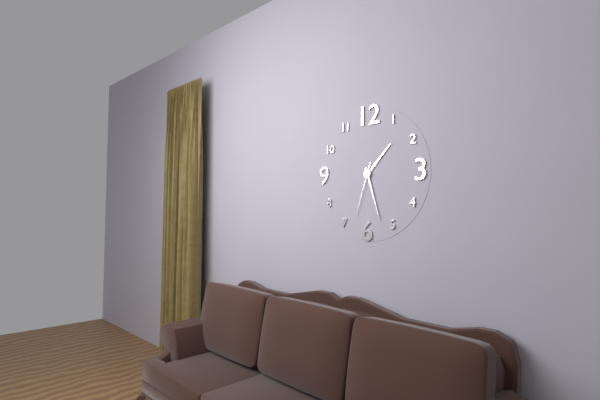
1:27:33
